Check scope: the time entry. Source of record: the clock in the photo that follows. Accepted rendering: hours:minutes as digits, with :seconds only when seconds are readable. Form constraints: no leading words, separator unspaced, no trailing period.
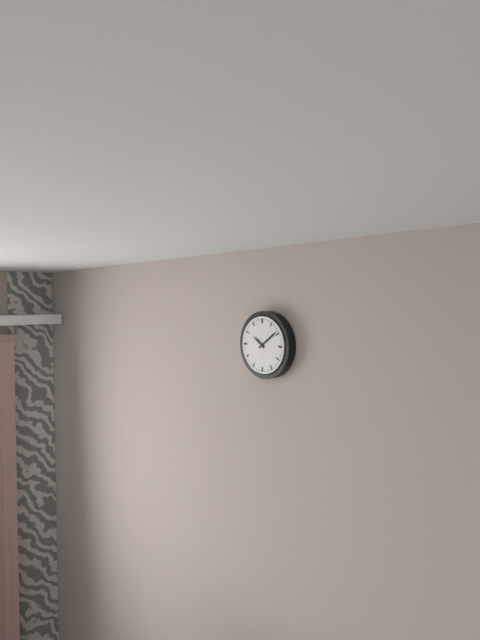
10:09
